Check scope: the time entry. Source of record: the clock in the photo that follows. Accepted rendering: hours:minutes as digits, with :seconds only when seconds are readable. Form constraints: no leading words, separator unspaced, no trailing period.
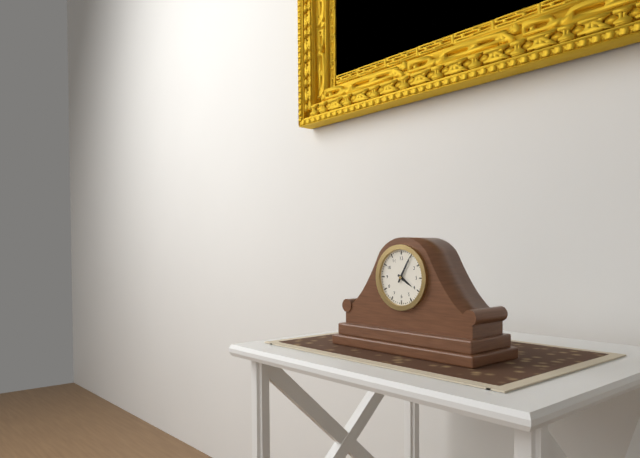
4:05
